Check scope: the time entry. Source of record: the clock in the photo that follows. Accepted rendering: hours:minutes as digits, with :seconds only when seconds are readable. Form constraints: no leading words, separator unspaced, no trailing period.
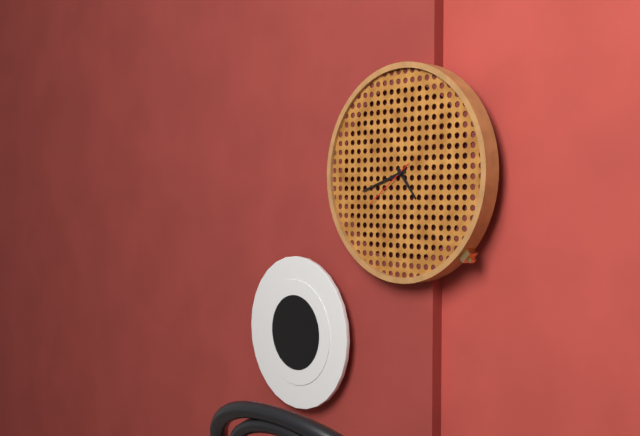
4:42:39
